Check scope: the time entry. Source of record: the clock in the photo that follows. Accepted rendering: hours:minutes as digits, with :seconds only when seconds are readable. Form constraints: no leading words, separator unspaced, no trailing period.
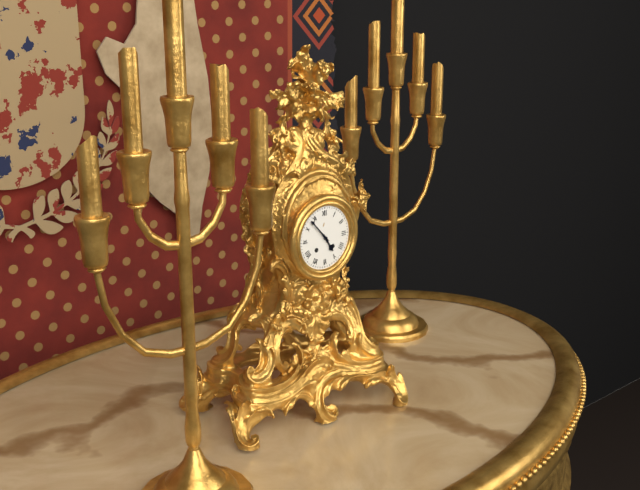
4:53
